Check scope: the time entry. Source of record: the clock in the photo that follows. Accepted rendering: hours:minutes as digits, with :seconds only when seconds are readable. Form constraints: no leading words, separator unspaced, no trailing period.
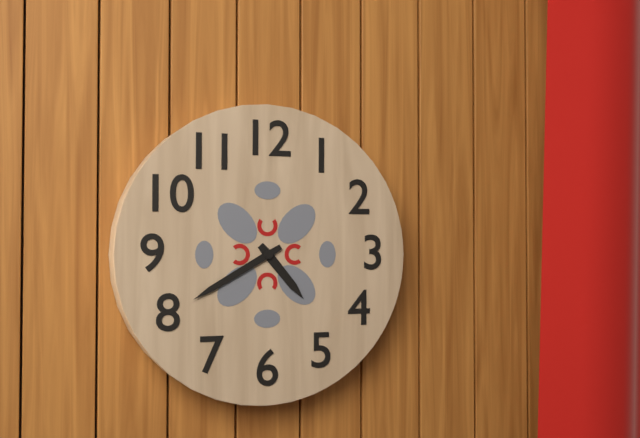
4:40
